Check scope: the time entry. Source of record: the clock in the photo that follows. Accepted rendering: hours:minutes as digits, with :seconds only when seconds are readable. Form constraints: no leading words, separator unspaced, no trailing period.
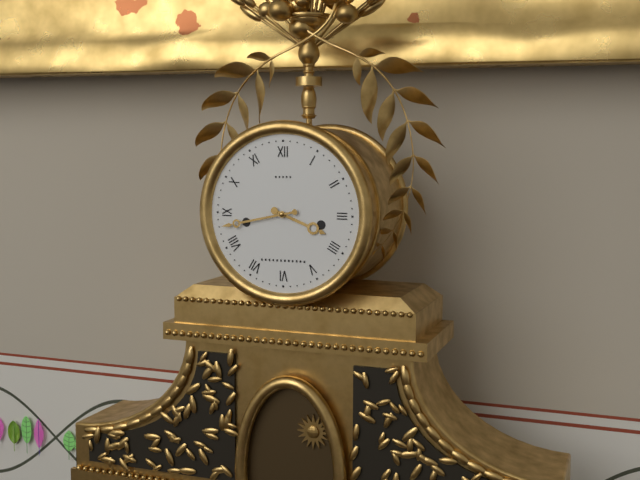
3:43
